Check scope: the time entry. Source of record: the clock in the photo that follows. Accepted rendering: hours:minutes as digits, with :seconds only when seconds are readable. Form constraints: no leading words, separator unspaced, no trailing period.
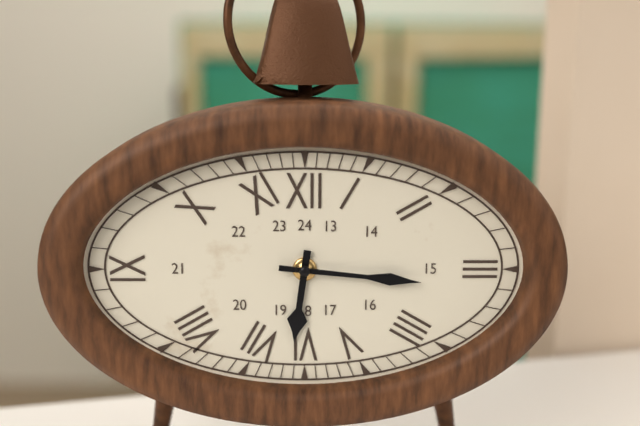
6:16
